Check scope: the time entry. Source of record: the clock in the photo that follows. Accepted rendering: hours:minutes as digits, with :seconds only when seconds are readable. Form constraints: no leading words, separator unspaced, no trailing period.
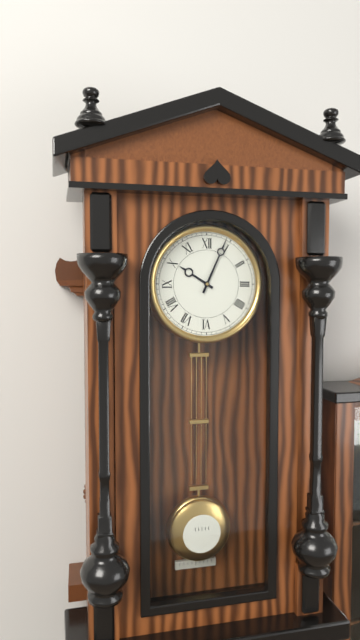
10:04
